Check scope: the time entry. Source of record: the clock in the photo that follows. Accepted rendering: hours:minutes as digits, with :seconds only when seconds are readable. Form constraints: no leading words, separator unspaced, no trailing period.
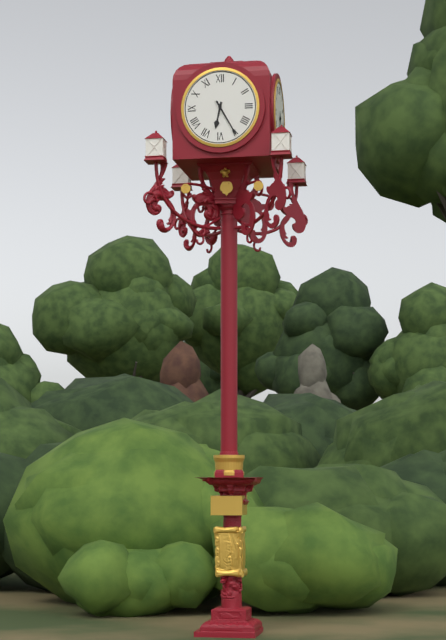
6:25
